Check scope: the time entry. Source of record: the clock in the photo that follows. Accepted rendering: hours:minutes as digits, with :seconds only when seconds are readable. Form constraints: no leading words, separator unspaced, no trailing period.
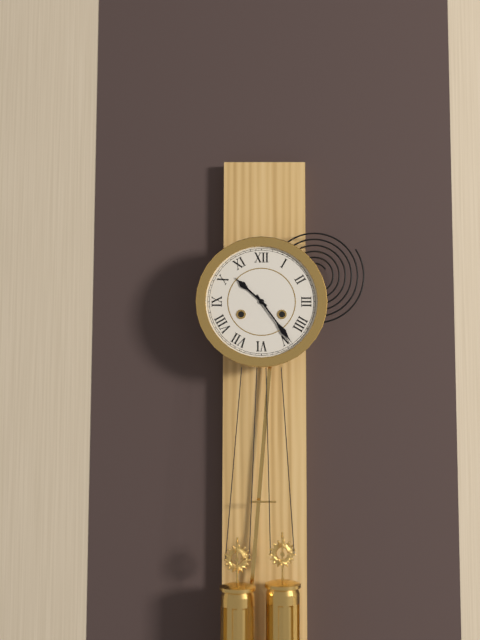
10:24
